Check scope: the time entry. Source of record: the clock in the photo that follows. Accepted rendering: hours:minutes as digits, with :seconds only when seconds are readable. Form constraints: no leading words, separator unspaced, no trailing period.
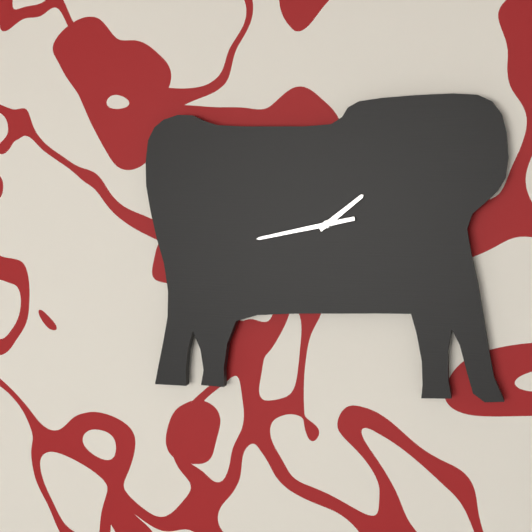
1:43
